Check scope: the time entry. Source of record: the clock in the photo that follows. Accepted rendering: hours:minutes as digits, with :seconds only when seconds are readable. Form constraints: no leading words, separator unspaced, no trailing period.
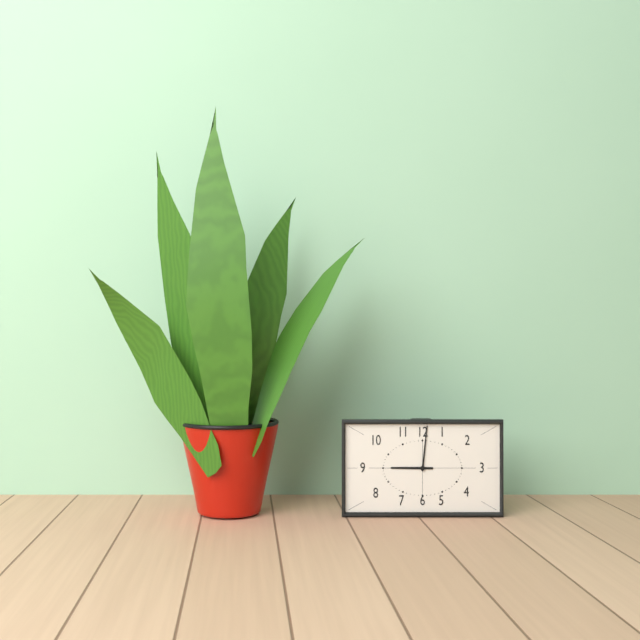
9:01
